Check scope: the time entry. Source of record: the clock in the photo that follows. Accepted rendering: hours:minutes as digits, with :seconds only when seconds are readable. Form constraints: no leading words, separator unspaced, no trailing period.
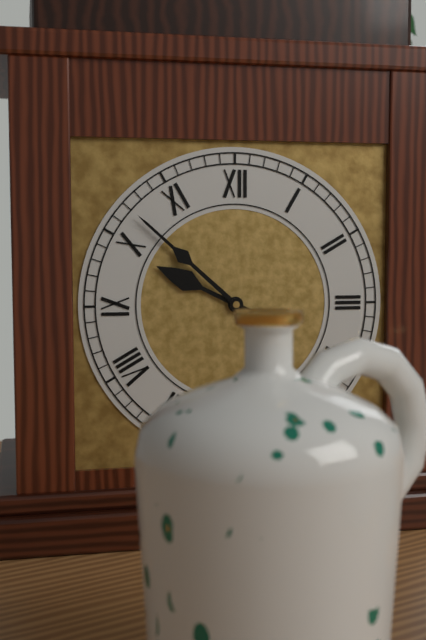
9:52
